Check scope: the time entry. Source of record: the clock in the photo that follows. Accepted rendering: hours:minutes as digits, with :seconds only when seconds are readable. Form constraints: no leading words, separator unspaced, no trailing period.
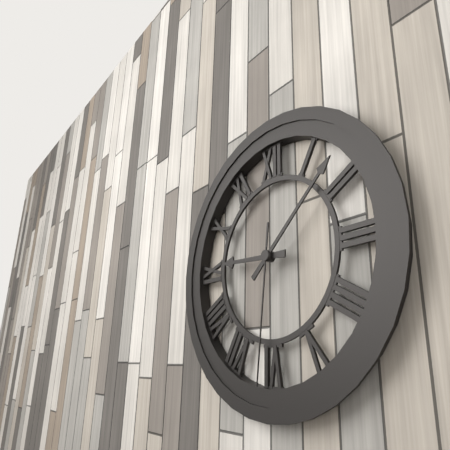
9:08:31
